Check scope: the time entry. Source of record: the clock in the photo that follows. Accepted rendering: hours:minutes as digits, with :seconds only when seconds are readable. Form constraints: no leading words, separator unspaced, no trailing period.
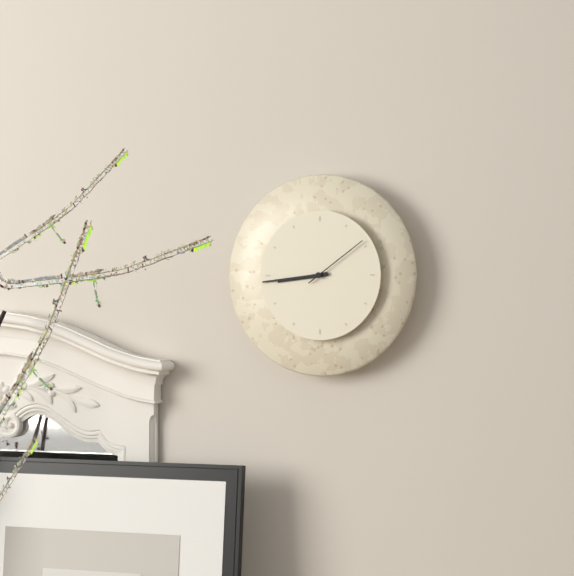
8:44:09
